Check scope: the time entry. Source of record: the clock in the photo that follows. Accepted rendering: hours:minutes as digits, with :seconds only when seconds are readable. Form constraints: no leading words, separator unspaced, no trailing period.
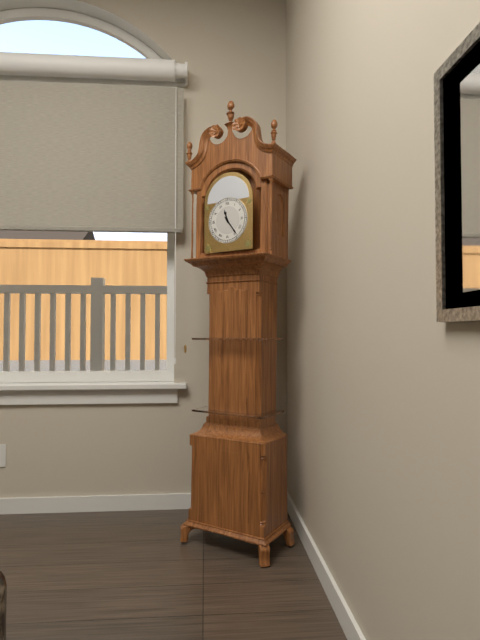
11:24
